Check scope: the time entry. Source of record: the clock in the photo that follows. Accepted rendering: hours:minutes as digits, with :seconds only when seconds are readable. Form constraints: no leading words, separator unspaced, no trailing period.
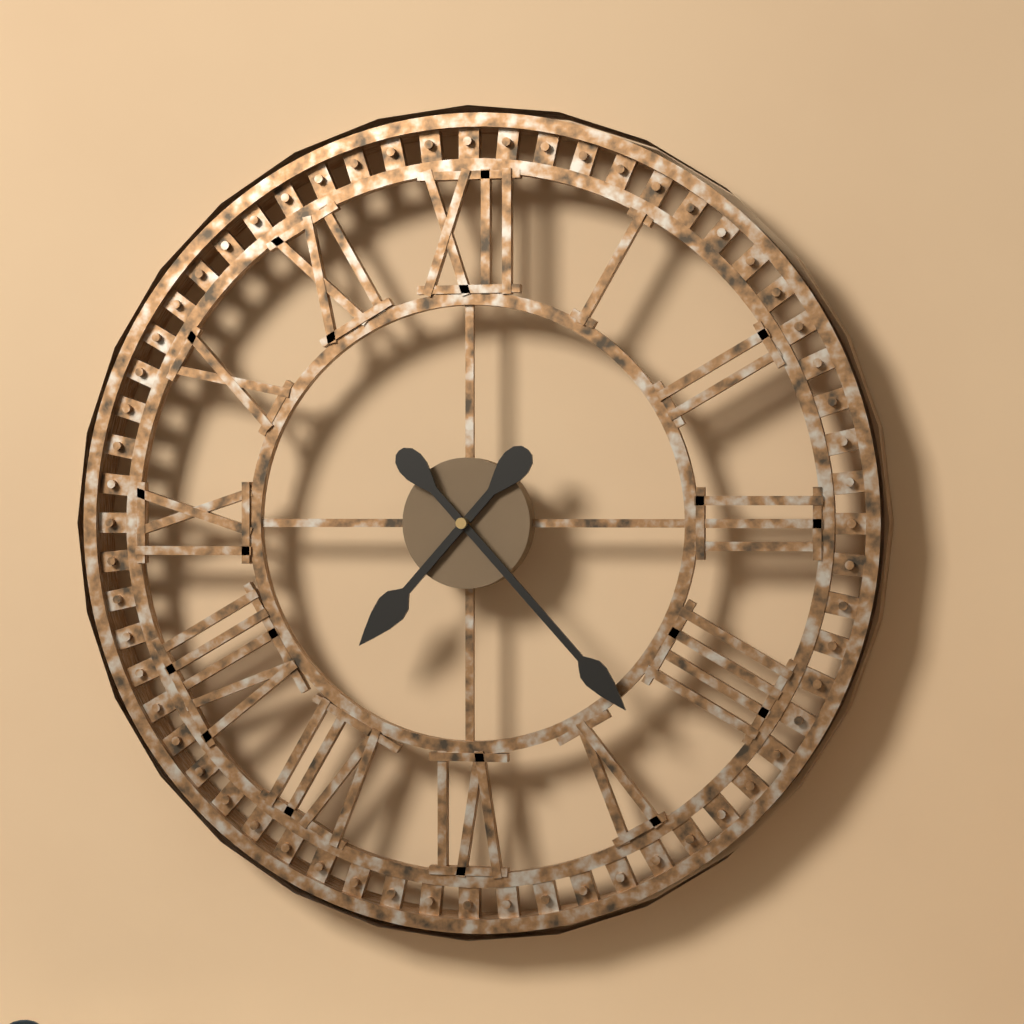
7:23
